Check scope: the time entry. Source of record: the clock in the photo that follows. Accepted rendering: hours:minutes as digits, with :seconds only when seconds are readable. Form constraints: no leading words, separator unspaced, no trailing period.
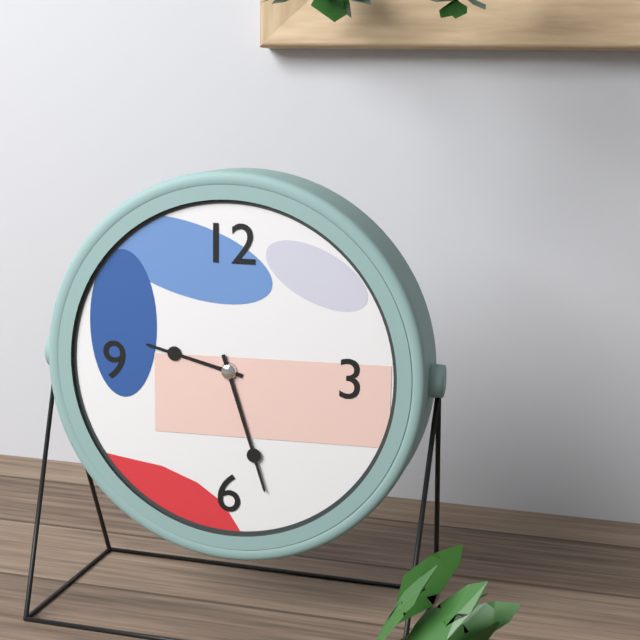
9:27
